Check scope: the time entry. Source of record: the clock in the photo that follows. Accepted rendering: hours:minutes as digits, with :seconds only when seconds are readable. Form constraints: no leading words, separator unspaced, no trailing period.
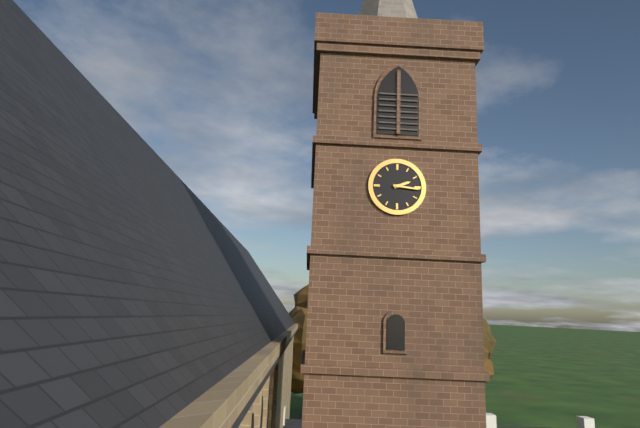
2:16
